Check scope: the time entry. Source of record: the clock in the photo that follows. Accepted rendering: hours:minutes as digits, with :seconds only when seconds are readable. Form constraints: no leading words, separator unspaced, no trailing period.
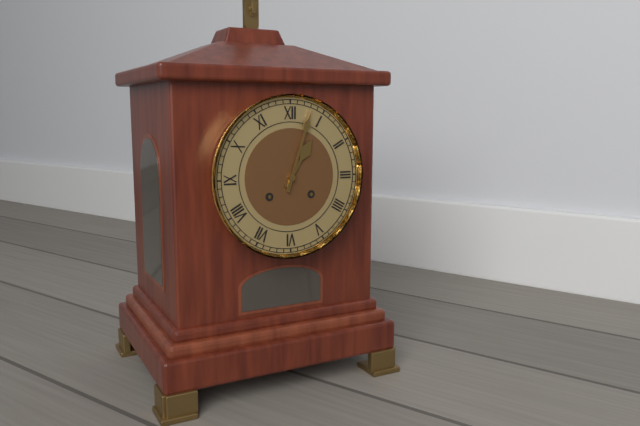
1:03
